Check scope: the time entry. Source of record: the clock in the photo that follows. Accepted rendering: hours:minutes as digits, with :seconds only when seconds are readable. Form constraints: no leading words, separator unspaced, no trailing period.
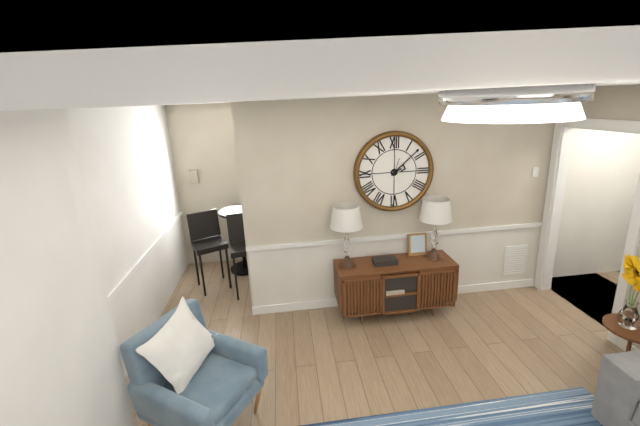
2:08
